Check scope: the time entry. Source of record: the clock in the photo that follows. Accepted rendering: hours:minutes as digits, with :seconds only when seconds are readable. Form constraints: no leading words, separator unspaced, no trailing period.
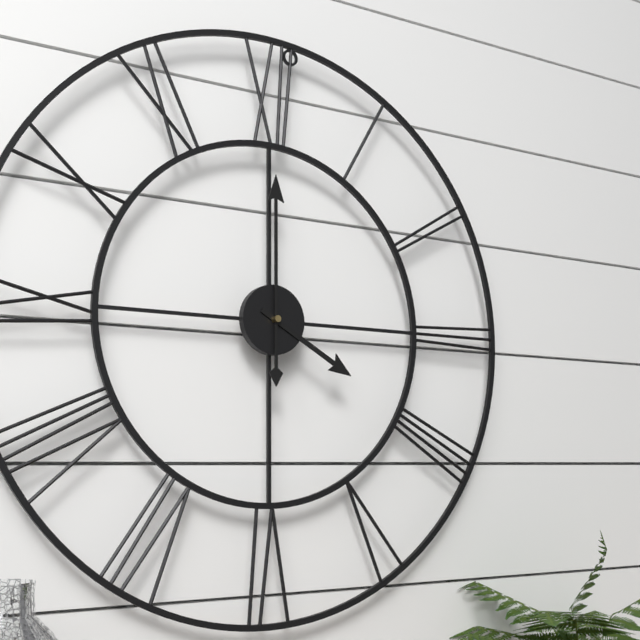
4:00
